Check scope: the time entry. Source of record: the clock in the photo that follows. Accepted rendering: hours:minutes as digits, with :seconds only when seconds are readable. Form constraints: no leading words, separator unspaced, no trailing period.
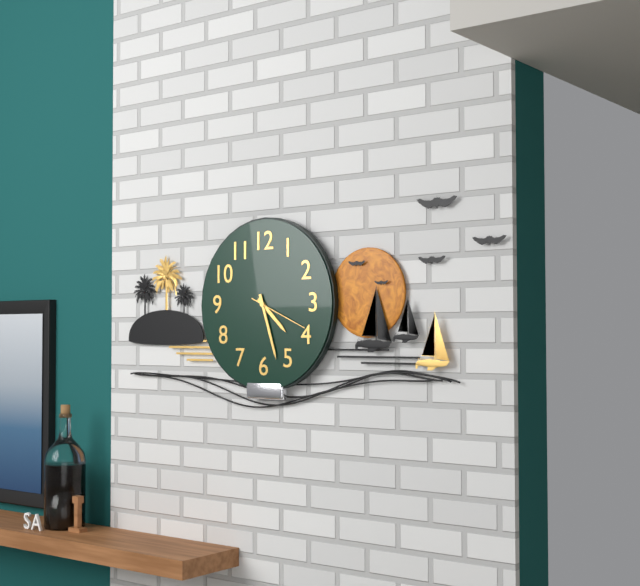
4:27:19
